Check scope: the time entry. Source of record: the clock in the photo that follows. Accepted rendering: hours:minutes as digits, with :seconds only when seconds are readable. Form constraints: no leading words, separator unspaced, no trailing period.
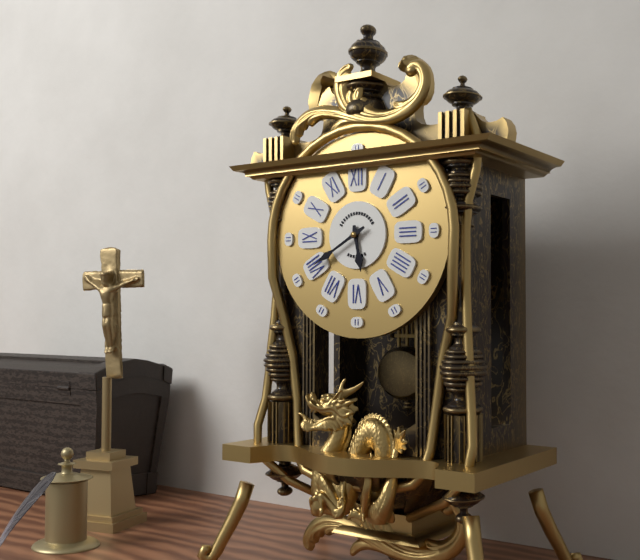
5:40
